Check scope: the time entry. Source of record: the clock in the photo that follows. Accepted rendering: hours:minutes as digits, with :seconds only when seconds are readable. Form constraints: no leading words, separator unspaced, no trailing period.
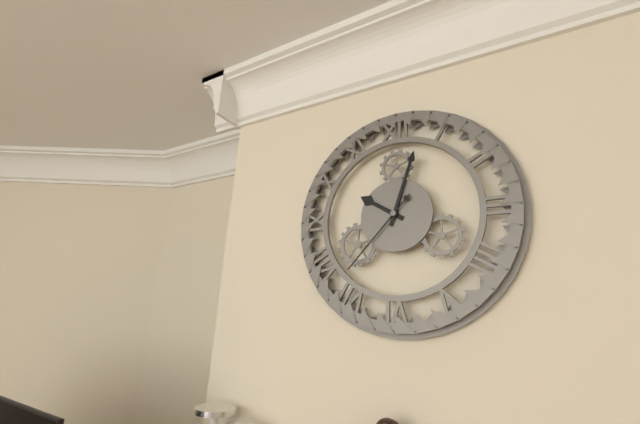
10:03:37
